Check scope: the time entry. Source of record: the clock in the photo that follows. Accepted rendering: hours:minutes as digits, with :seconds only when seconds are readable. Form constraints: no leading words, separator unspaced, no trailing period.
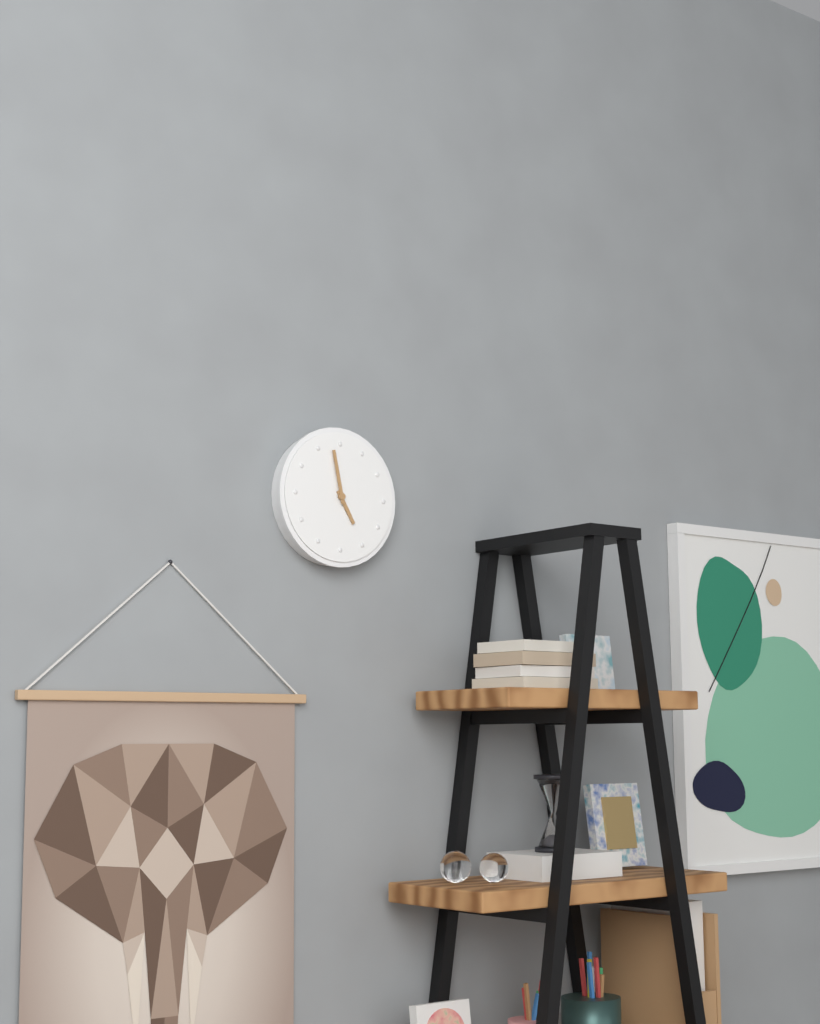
4:58
